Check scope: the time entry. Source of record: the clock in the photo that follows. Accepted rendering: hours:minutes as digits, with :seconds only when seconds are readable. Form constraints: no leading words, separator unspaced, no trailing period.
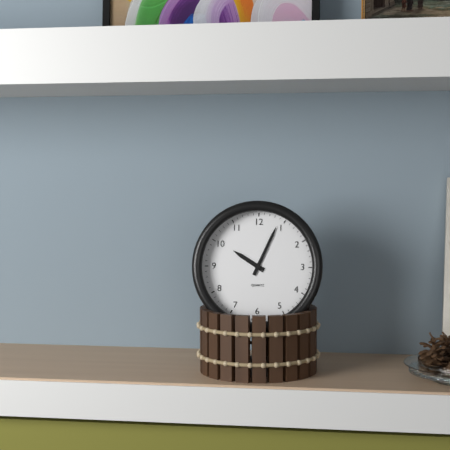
10:04
